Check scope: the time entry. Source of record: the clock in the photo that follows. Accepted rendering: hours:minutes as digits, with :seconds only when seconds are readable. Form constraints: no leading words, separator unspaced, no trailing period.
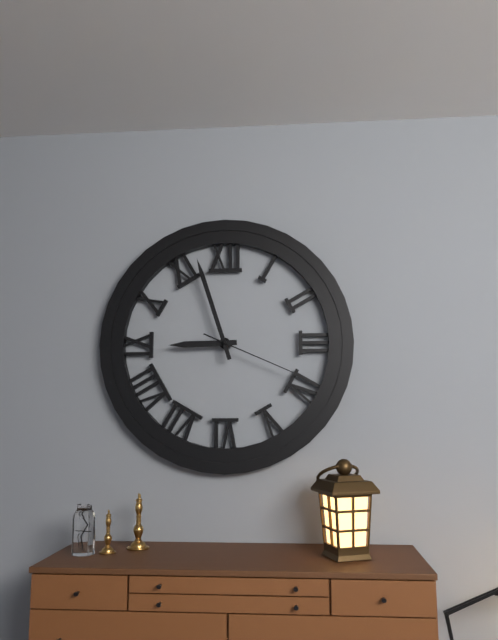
8:57:19
